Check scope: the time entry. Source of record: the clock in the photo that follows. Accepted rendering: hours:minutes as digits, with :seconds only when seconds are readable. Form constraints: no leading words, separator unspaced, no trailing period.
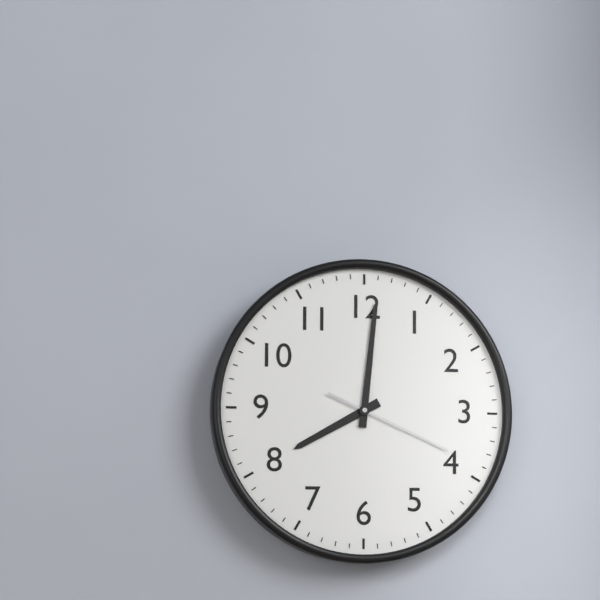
8:01:19
